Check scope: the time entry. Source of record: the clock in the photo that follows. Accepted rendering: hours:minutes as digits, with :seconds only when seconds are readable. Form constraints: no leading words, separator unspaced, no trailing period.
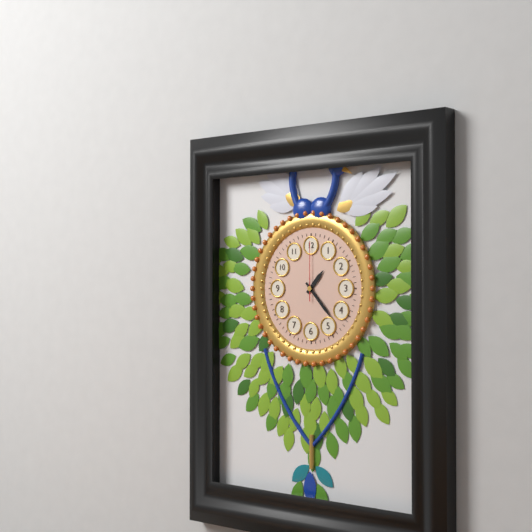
1:23:00
